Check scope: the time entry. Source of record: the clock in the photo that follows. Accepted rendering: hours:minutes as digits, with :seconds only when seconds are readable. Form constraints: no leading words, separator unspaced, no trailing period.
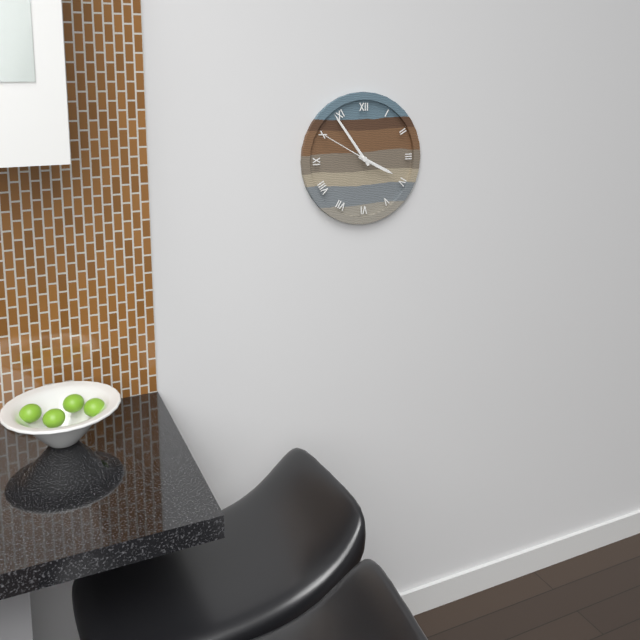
3:54:50
